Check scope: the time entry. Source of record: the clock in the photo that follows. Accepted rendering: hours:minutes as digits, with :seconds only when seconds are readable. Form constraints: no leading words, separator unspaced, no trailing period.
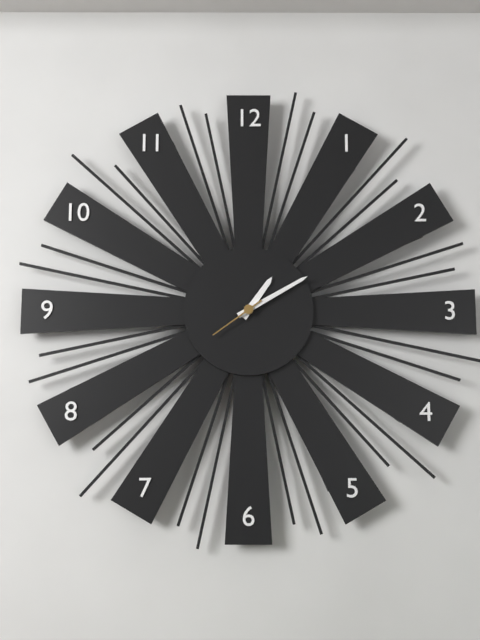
1:10:39
